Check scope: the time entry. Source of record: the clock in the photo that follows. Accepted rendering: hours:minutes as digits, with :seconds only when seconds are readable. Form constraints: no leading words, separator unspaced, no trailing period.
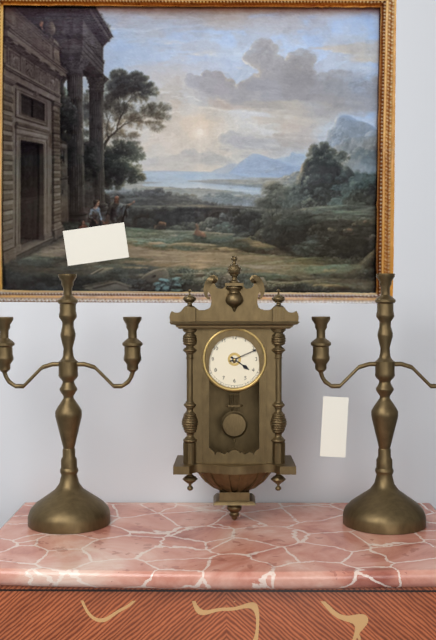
4:11
